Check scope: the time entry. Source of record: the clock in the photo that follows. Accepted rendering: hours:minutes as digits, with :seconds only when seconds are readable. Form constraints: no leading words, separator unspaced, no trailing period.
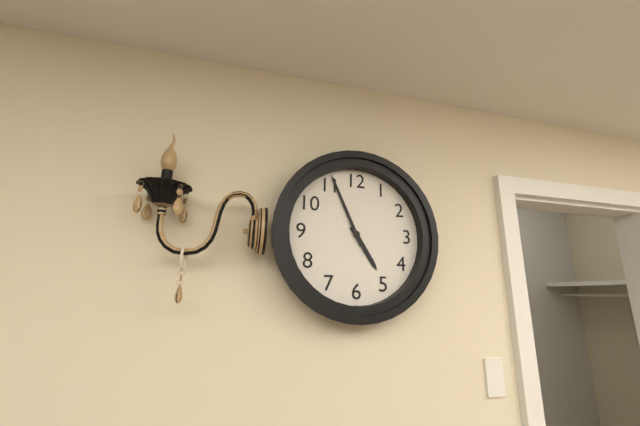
4:56
